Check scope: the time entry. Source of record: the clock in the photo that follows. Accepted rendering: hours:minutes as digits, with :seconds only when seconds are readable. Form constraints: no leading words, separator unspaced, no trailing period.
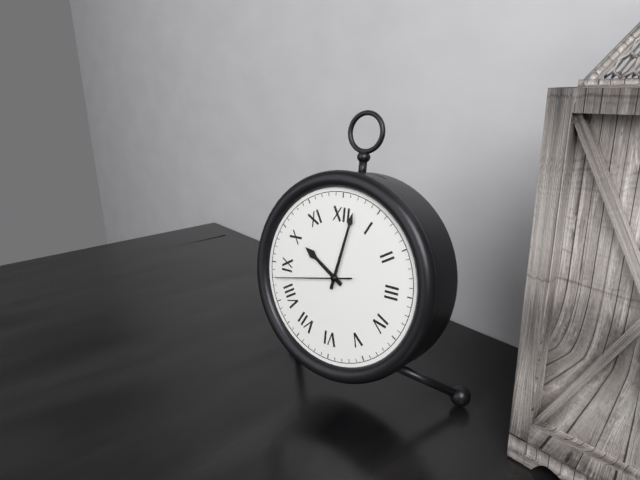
10:02:43
